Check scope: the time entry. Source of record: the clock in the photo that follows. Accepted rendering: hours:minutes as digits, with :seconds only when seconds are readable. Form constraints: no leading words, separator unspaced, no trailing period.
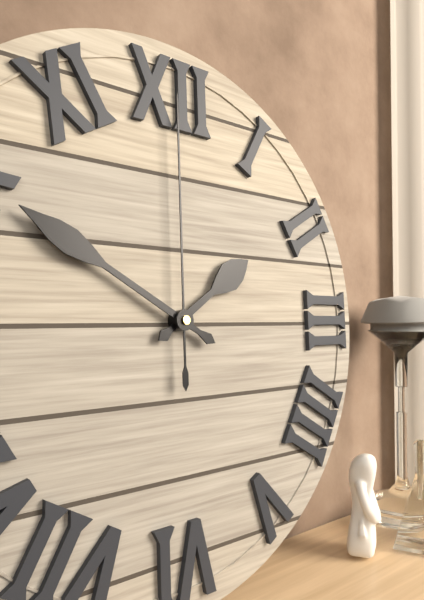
1:50:00
